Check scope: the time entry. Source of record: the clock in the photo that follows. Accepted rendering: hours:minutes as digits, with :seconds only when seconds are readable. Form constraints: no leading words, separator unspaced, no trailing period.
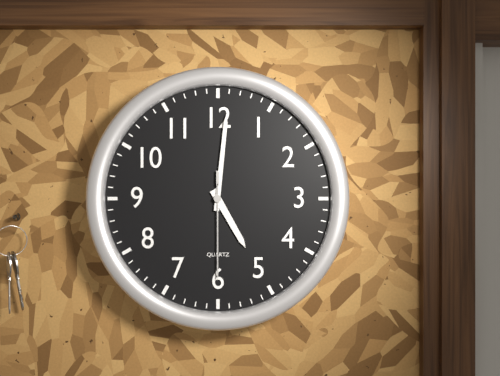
5:01:30
